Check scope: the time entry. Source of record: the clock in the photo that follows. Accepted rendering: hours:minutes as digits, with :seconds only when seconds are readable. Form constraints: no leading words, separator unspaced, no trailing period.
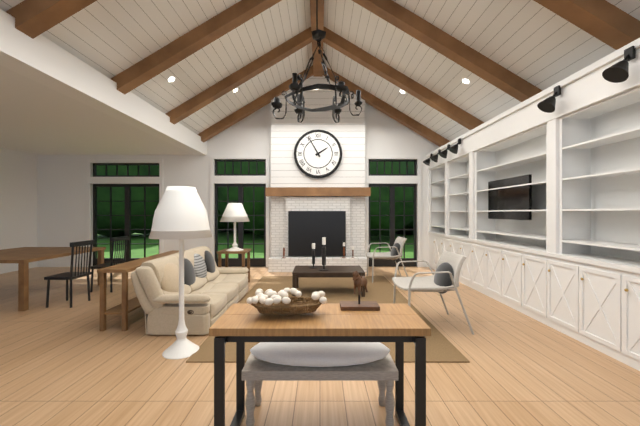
1:55
